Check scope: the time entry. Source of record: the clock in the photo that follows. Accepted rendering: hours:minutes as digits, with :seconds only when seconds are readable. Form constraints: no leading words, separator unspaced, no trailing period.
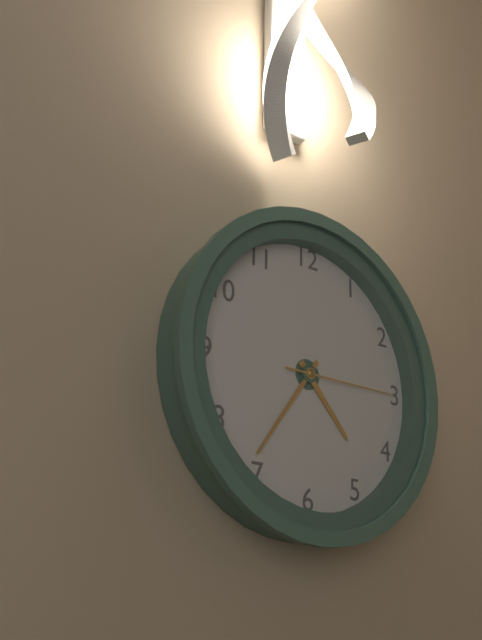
4:36:15
